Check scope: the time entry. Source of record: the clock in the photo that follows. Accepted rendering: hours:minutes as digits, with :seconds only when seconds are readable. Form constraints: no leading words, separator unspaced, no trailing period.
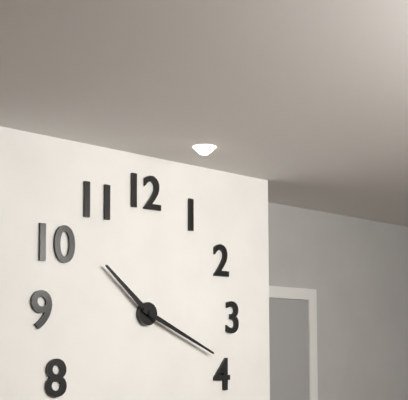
10:19
